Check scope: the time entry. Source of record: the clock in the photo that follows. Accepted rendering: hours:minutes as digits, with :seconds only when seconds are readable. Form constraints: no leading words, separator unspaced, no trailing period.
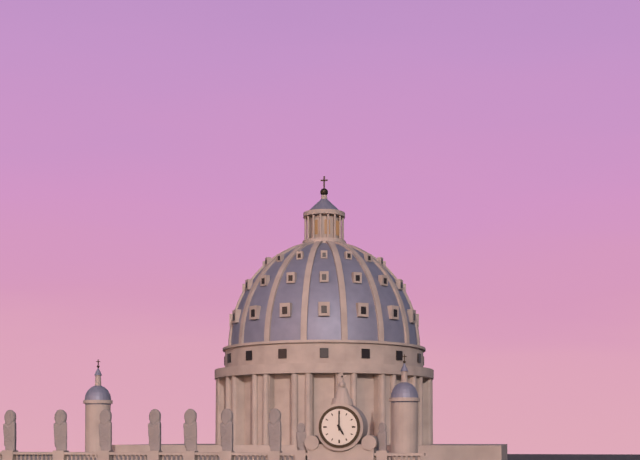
5:00
